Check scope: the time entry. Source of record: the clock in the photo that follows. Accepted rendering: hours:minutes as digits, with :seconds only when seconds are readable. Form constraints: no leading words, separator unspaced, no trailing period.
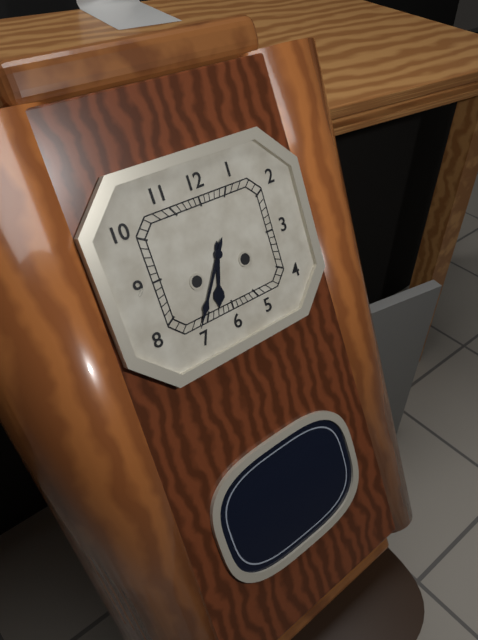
6:36
